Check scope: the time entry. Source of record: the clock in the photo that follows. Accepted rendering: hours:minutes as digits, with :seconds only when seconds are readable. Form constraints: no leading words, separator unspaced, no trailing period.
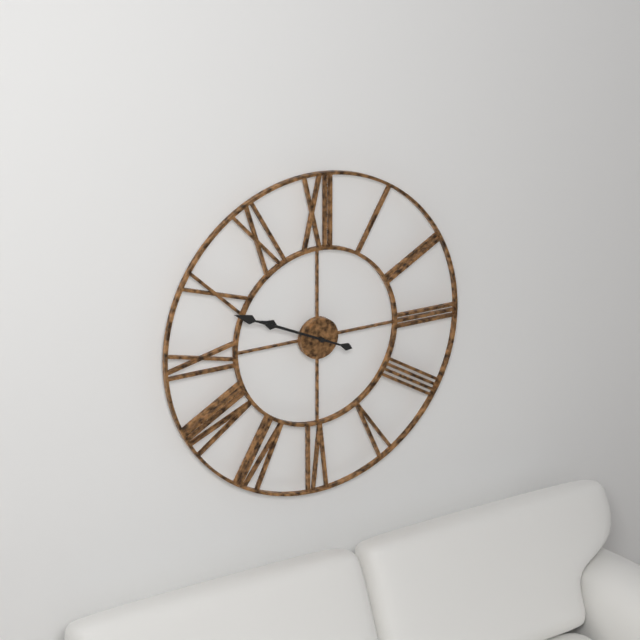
9:49
